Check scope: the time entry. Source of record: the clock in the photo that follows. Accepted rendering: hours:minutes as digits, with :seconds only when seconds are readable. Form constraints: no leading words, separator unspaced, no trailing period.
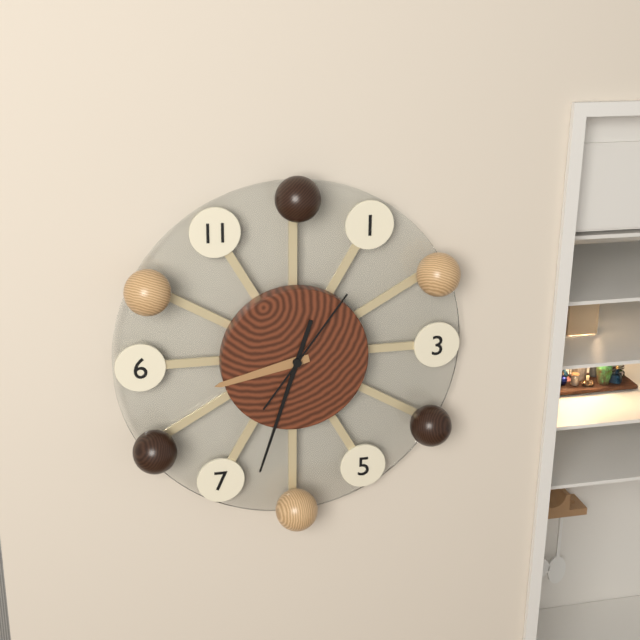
8:33:06
